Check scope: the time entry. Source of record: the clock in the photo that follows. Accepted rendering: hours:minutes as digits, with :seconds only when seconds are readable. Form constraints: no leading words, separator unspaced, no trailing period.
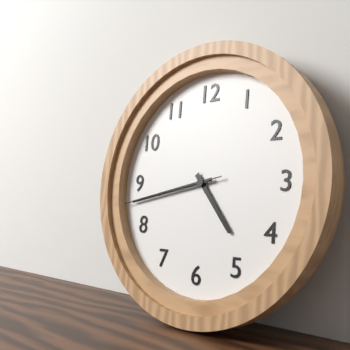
4:43:43
